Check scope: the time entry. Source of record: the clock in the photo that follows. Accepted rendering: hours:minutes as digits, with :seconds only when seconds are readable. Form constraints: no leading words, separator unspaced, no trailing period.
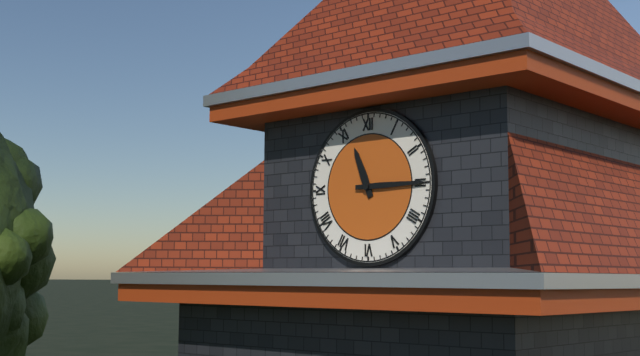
11:15
